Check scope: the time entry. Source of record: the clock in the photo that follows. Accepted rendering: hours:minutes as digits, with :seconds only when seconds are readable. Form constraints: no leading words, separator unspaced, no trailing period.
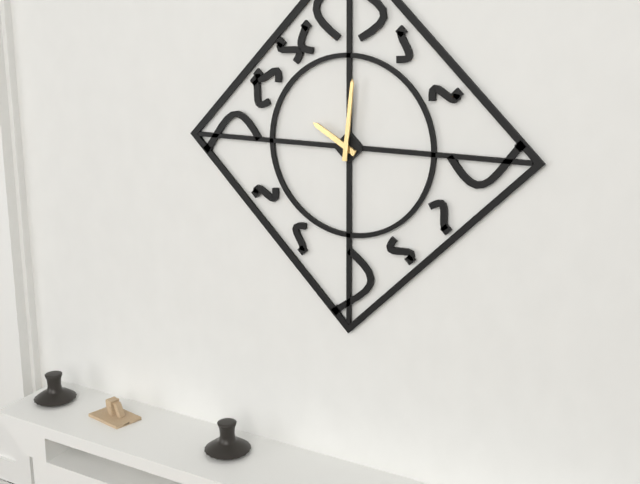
10:01
